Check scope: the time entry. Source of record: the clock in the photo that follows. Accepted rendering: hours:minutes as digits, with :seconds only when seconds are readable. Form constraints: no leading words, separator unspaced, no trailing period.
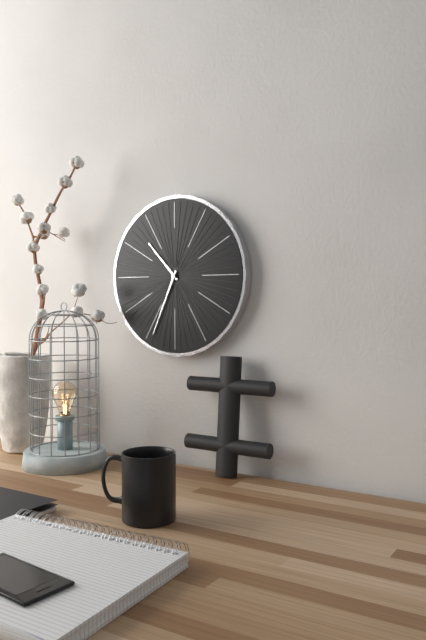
10:34
